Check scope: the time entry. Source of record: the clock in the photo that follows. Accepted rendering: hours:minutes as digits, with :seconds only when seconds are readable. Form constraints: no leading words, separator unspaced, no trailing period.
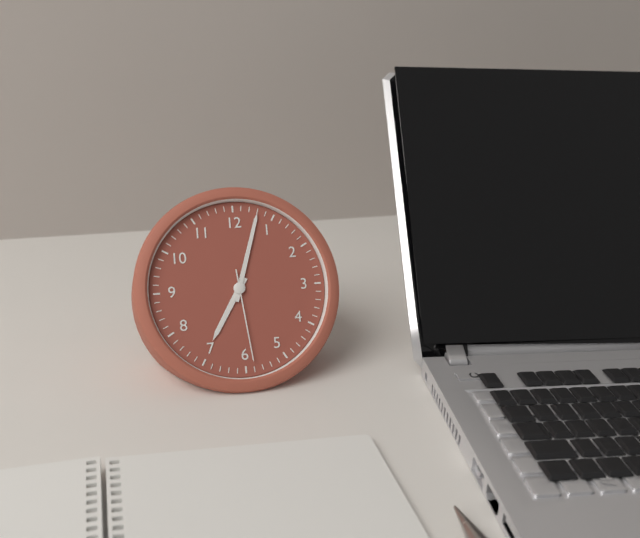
7:03:29
